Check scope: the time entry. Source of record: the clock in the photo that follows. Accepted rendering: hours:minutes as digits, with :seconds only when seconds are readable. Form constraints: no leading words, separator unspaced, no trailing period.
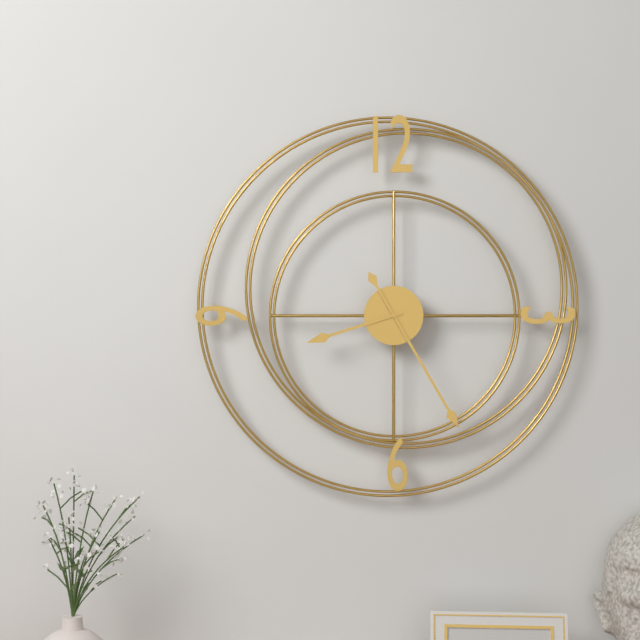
8:25
